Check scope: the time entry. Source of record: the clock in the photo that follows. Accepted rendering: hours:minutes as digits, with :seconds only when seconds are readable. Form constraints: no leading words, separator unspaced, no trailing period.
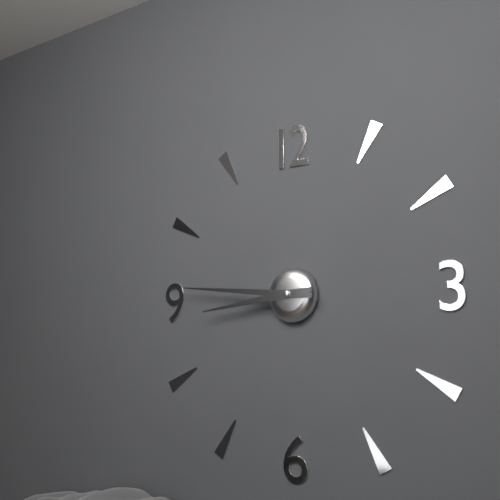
8:46
